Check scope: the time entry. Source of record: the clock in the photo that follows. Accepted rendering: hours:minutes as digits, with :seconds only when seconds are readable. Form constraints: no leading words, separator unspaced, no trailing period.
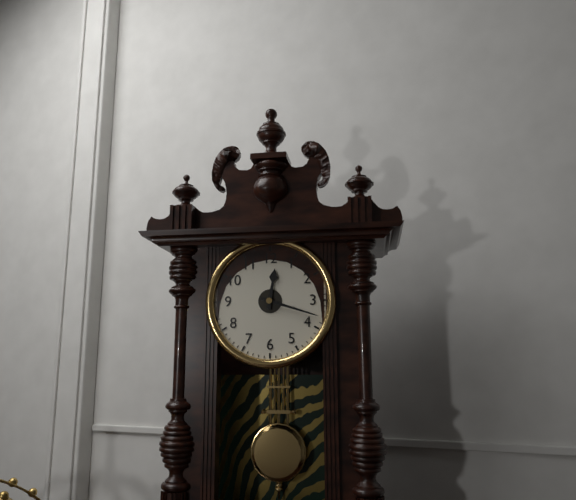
12:18
